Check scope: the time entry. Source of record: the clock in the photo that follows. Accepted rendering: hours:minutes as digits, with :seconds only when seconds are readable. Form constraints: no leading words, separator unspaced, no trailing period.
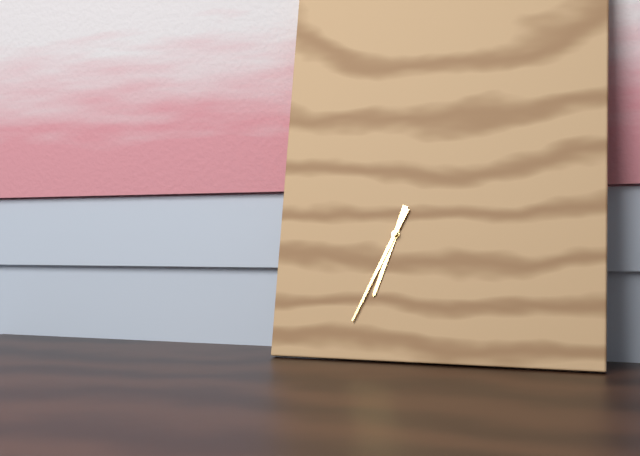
6:34
